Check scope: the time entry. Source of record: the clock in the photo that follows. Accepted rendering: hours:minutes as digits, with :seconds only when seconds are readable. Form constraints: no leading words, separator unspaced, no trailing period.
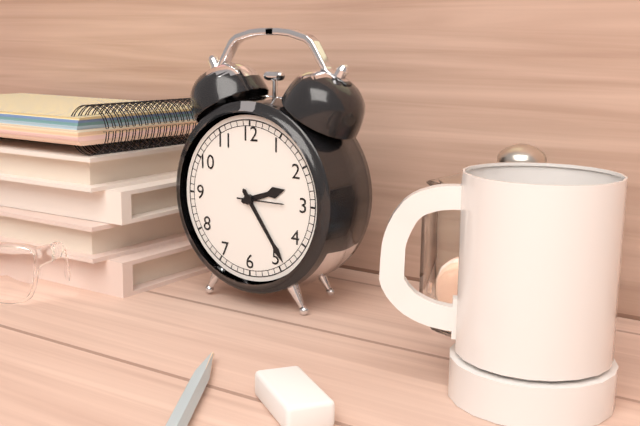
2:24
